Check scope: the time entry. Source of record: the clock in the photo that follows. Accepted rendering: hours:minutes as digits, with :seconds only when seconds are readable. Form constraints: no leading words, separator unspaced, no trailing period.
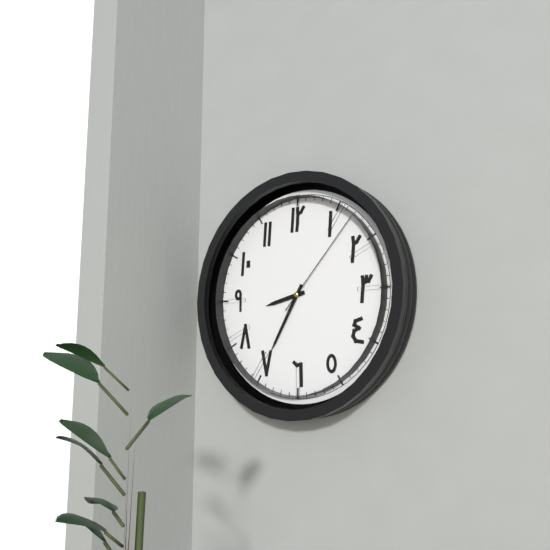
8:35:07
